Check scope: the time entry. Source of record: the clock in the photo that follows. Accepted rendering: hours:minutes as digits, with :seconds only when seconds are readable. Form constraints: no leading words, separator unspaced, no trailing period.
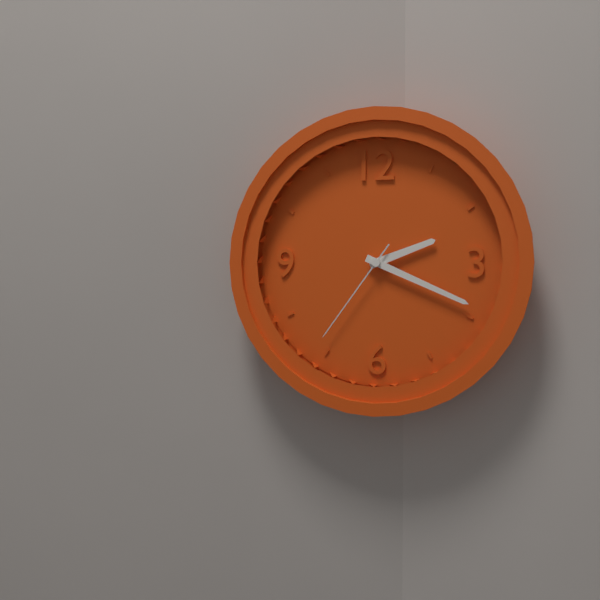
2:19:36
